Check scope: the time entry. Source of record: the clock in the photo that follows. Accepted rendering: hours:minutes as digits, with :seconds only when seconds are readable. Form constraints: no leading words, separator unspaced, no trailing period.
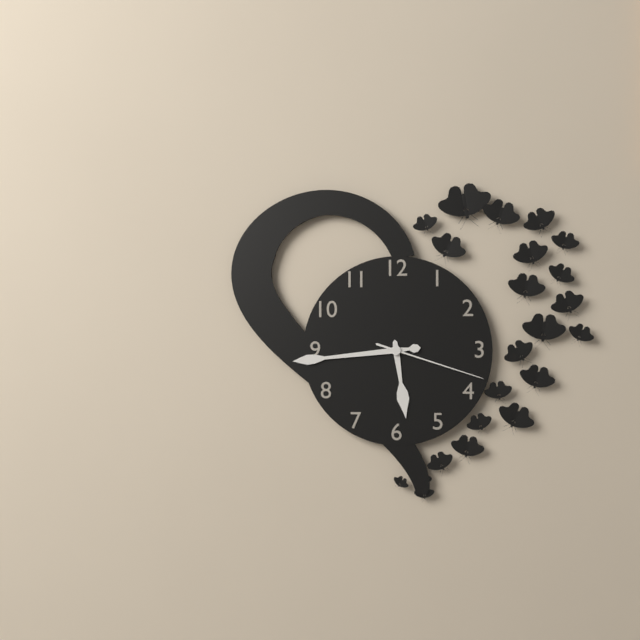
5:44:18
